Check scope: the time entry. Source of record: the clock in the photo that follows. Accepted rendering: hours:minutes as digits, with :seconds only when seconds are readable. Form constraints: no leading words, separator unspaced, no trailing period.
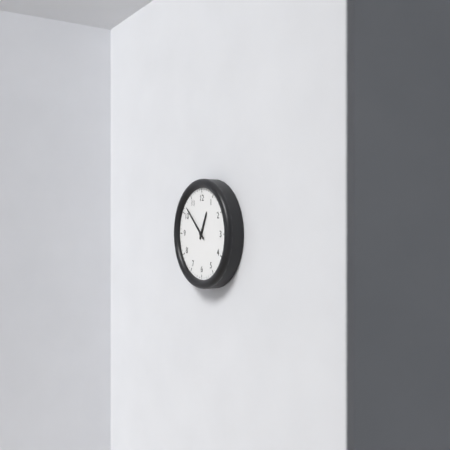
12:52
